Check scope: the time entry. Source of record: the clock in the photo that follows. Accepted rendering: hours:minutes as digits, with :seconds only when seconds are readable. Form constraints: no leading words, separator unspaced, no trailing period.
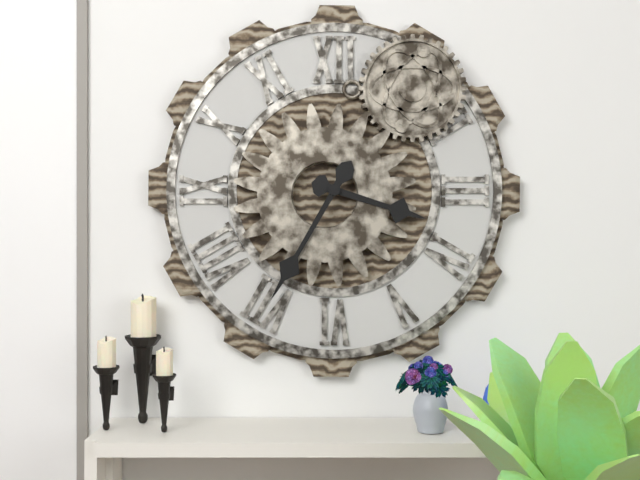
3:35
